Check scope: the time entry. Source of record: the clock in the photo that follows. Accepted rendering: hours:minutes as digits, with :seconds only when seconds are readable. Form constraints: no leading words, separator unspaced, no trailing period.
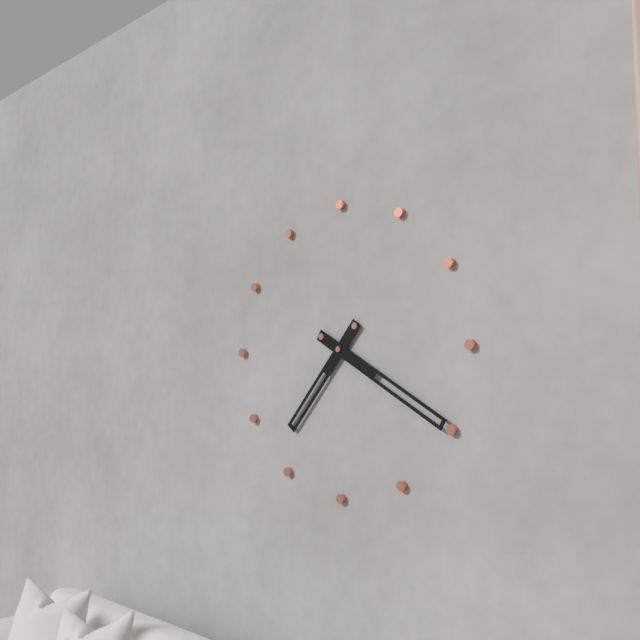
7:20
